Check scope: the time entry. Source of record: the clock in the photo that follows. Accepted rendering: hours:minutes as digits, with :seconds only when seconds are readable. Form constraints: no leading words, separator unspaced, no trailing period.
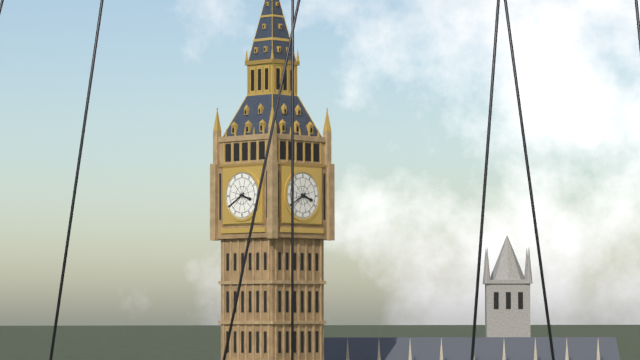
3:40
